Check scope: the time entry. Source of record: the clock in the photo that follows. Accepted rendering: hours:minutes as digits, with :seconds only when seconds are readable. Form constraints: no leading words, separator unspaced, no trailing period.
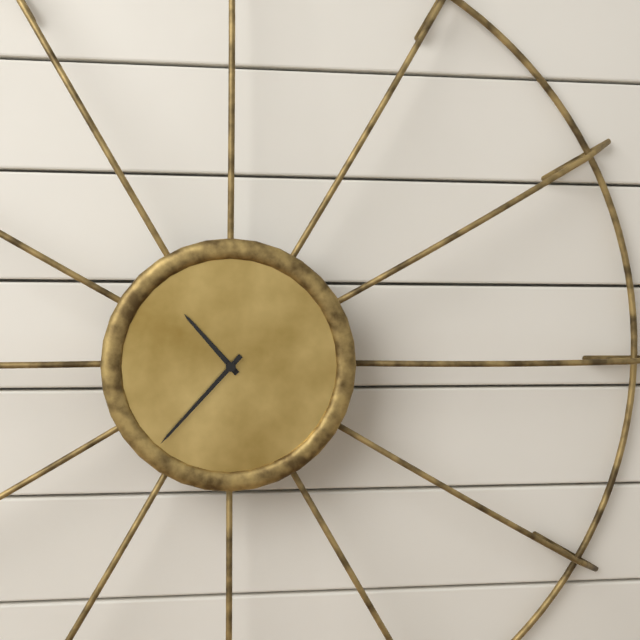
10:37
